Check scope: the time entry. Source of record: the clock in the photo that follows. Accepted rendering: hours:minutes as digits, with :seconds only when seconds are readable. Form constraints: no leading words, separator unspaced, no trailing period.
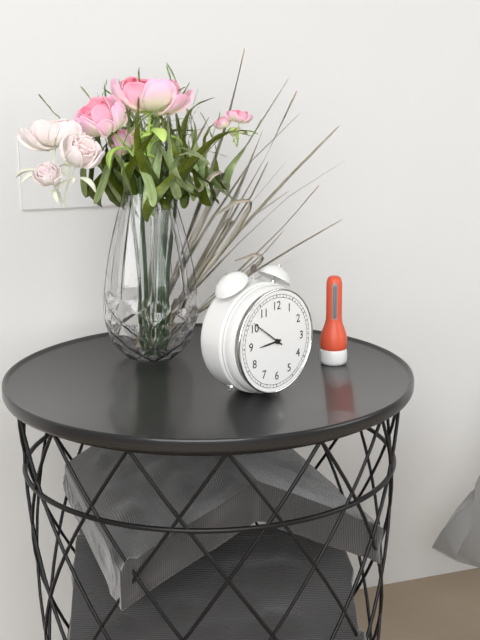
8:51
